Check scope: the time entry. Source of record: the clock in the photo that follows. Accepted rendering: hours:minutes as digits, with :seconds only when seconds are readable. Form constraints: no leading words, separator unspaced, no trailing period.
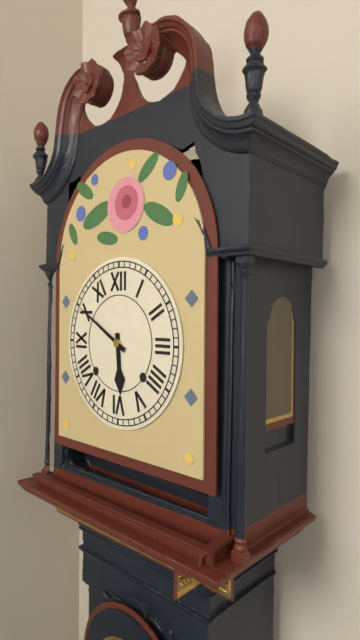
5:50
